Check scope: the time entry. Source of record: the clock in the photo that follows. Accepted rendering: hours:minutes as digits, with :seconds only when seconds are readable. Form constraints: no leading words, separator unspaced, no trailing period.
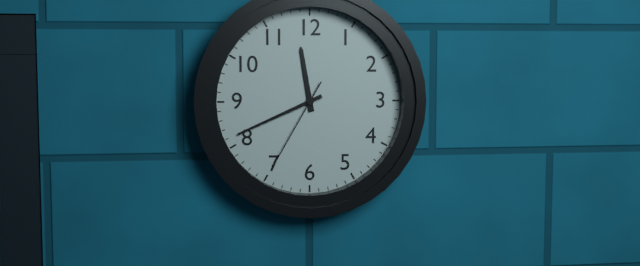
11:41:35
